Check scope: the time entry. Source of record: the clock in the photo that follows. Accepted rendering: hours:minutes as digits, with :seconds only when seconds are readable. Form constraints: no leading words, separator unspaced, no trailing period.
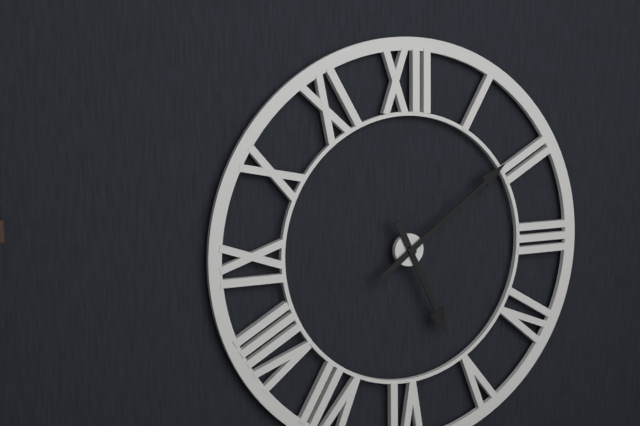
5:09
